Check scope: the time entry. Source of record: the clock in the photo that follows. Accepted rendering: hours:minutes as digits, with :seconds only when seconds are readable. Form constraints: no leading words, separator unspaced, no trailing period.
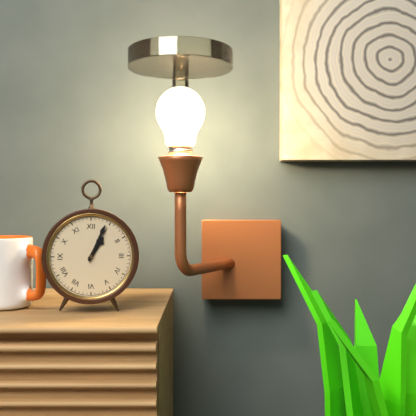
1:04
